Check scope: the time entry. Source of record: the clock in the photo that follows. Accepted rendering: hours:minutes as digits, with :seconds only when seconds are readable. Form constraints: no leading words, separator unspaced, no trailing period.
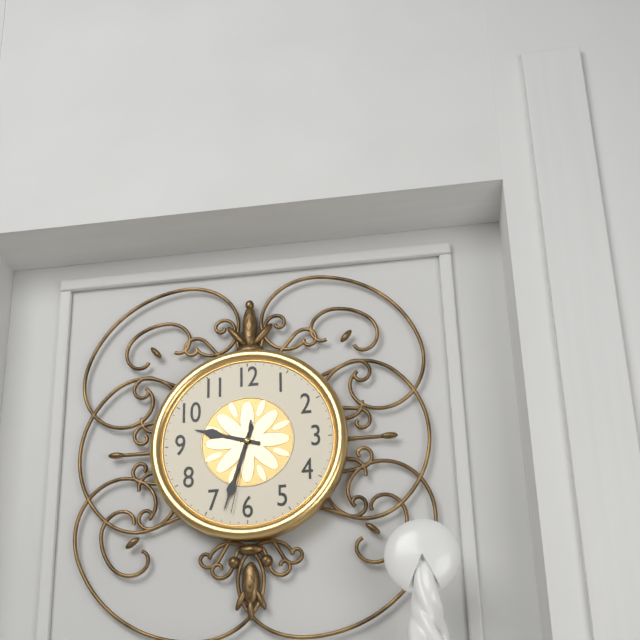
9:33:32
